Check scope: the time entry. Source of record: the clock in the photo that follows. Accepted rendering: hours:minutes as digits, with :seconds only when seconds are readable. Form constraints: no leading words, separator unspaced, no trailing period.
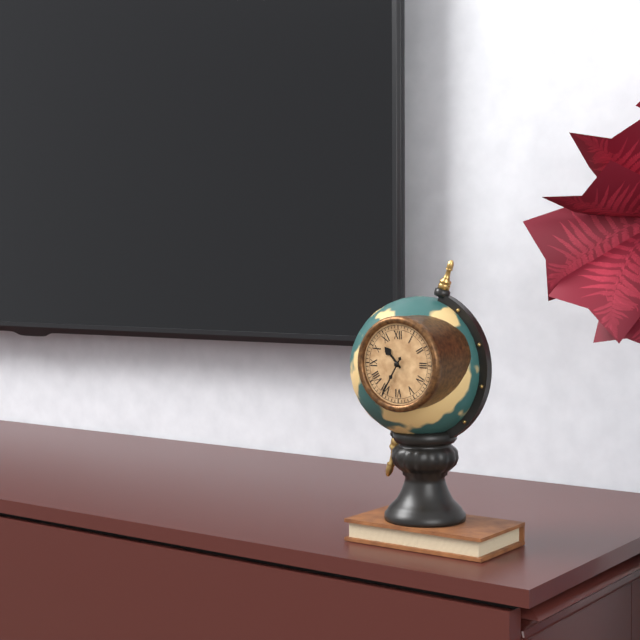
10:35
